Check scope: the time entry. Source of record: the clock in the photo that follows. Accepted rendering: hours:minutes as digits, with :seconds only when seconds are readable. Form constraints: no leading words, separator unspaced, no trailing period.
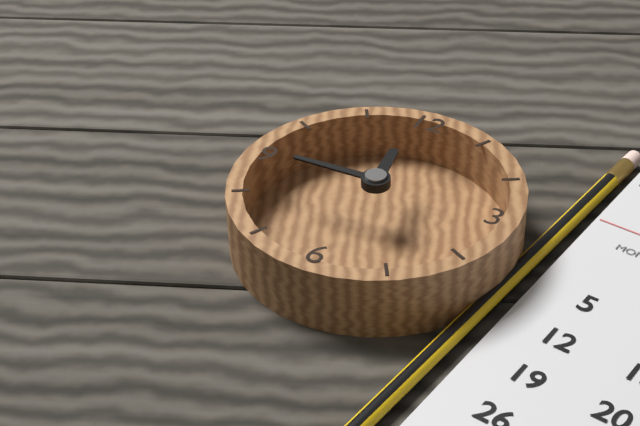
11:45
